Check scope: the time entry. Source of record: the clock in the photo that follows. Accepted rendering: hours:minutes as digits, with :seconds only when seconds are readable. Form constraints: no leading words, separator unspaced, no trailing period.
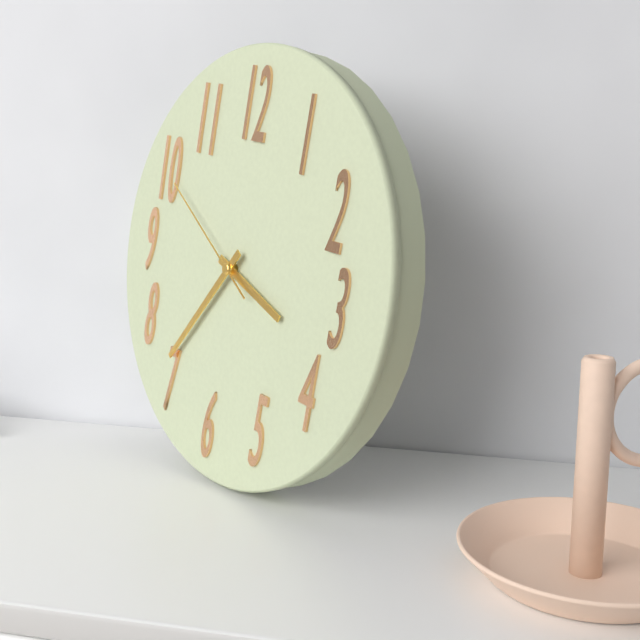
3:36:50
